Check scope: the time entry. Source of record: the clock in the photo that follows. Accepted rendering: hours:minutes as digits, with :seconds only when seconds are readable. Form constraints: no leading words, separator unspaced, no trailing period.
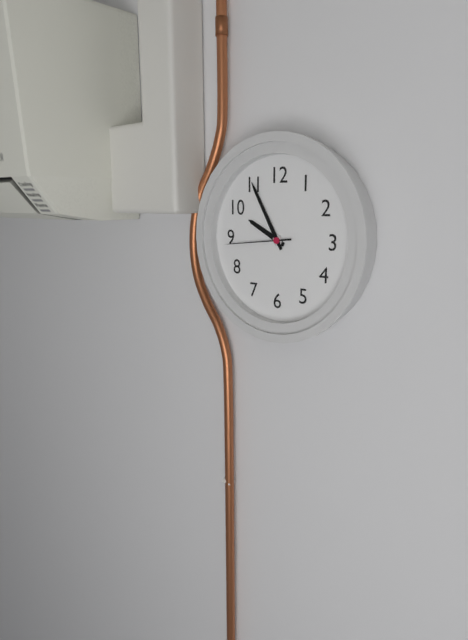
9:55:44
